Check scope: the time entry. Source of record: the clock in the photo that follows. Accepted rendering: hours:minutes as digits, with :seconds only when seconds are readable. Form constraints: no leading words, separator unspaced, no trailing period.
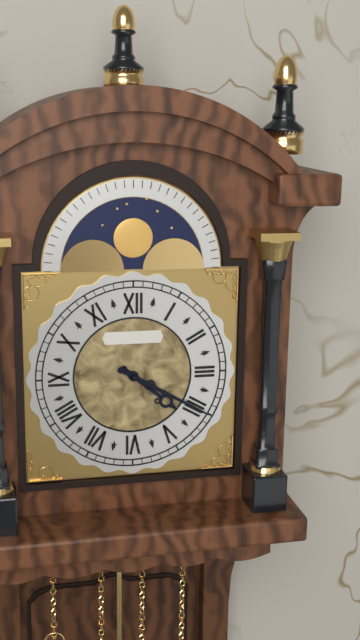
4:20
